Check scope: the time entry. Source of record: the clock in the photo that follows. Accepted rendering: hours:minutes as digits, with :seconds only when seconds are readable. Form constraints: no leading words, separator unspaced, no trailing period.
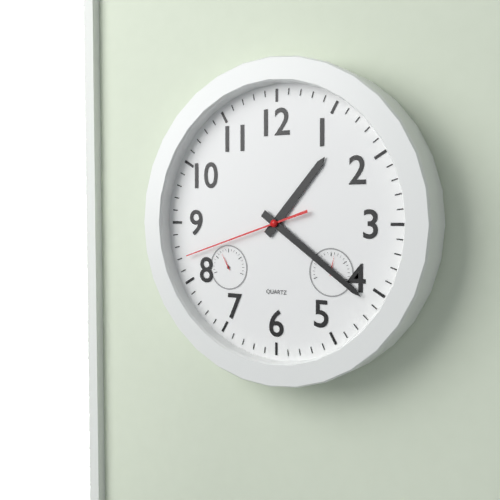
1:21:42
